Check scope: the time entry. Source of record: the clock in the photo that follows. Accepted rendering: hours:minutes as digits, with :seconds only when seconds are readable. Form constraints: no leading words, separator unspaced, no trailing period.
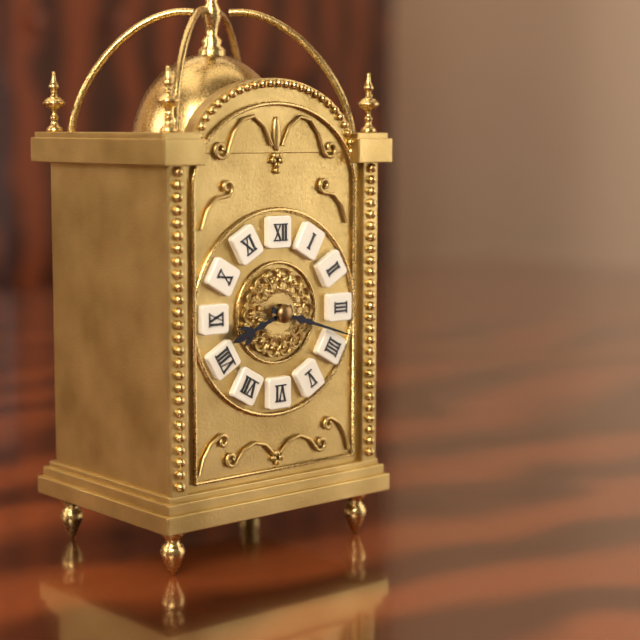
8:18
